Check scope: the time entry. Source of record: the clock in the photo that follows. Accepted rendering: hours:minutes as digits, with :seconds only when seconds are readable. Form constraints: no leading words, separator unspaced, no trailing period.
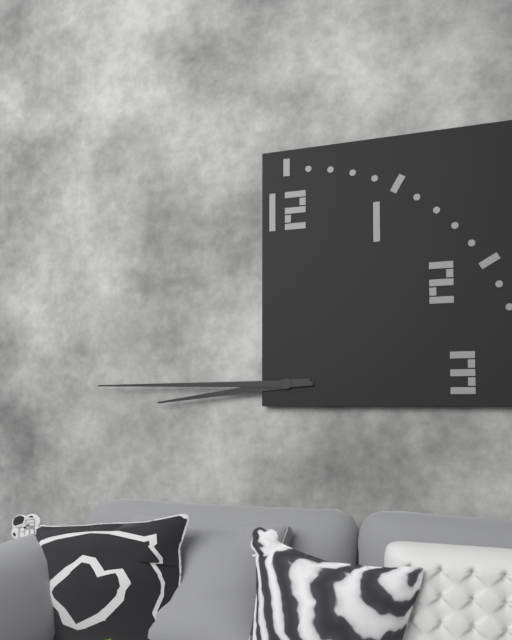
8:45
